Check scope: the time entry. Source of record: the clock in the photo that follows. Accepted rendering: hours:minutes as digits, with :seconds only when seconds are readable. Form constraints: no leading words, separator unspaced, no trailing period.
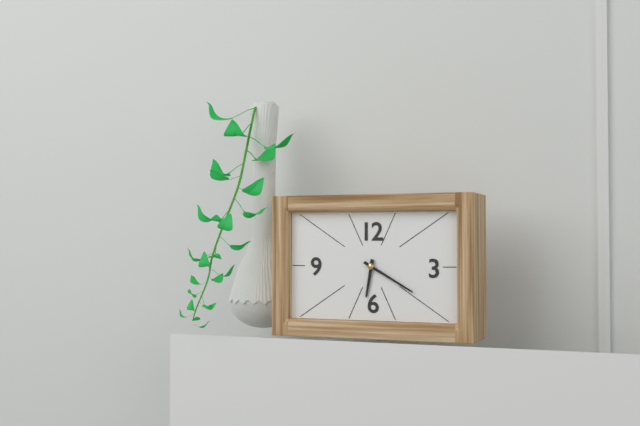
6:20
